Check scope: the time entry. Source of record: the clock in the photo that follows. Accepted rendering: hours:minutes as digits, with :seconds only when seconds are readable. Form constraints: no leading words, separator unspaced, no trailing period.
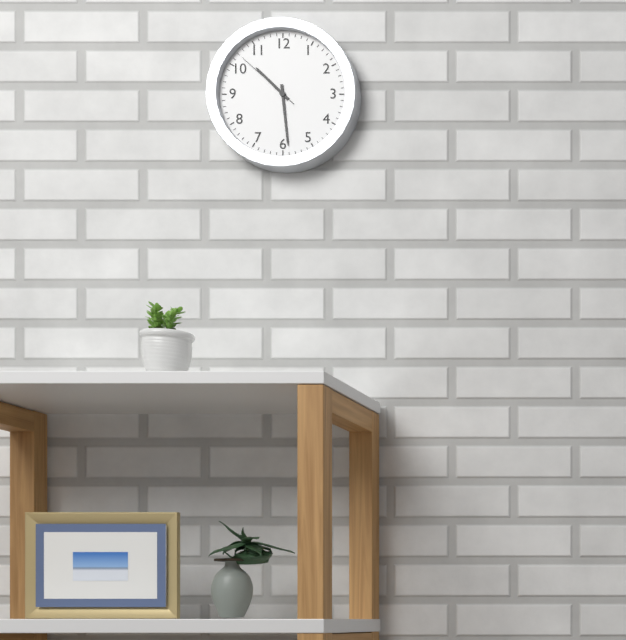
10:29:52
